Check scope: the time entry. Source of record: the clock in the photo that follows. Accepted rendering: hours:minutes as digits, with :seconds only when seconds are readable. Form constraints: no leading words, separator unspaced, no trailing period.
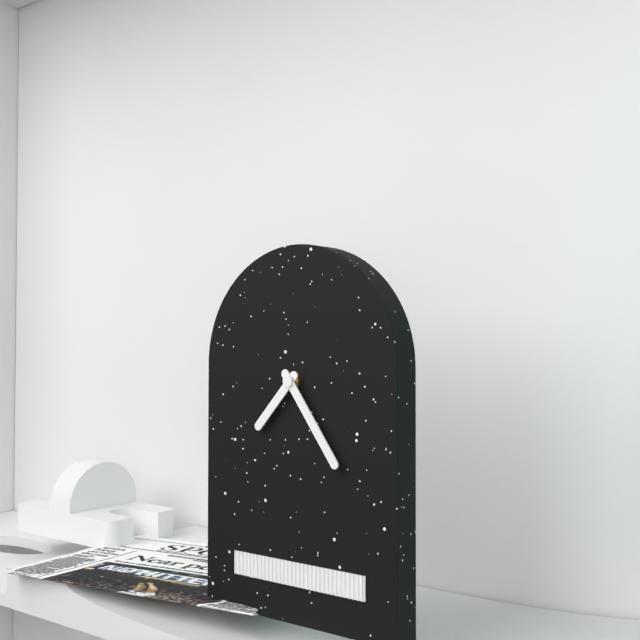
7:24
